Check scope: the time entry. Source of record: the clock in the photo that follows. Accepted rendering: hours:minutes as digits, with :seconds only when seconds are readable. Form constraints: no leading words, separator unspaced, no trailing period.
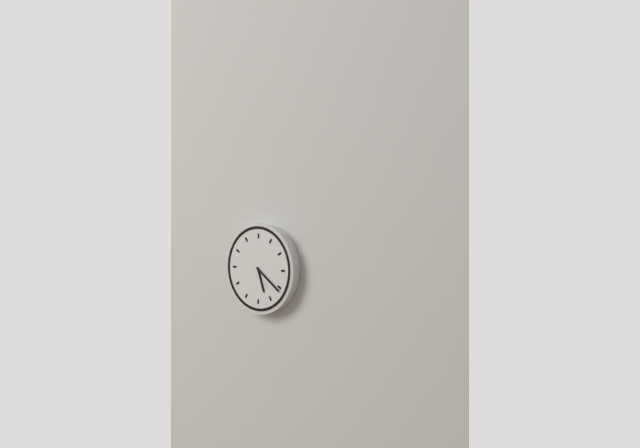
5:21
